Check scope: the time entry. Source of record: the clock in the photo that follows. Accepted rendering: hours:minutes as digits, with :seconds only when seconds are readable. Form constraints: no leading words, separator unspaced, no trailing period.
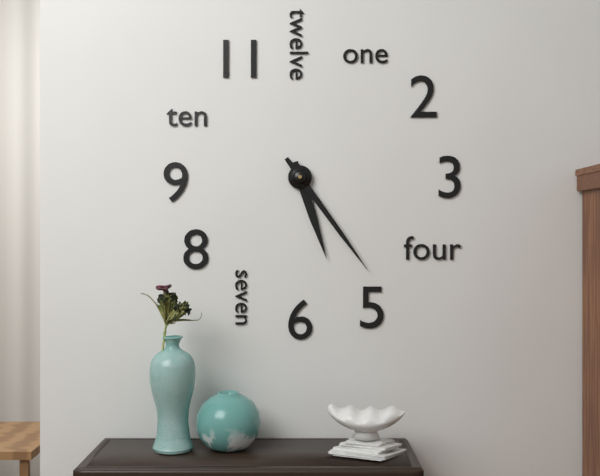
5:24
